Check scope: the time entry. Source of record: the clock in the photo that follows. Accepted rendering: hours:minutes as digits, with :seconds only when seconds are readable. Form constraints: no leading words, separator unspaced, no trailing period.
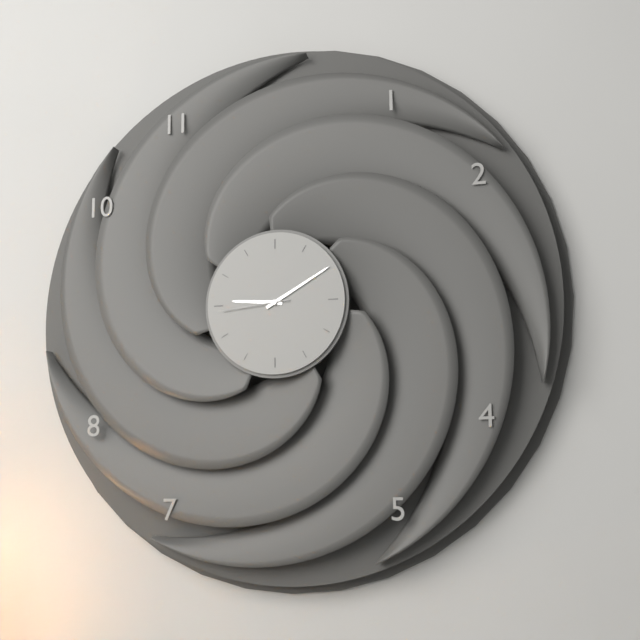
9:10:44
